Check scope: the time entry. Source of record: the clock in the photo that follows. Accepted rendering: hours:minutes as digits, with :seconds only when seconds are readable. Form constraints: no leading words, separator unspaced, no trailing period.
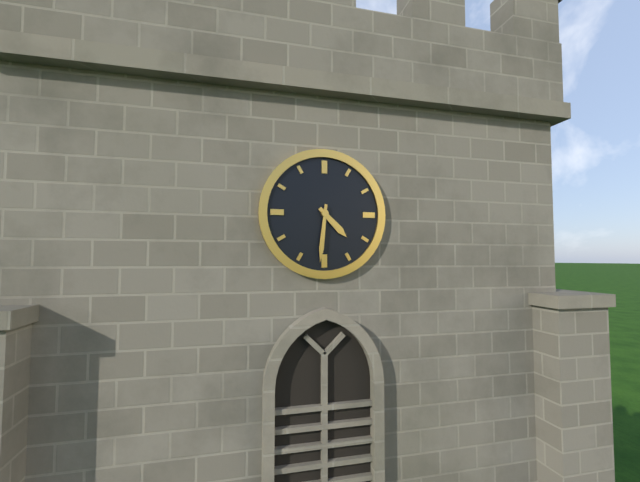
4:31
